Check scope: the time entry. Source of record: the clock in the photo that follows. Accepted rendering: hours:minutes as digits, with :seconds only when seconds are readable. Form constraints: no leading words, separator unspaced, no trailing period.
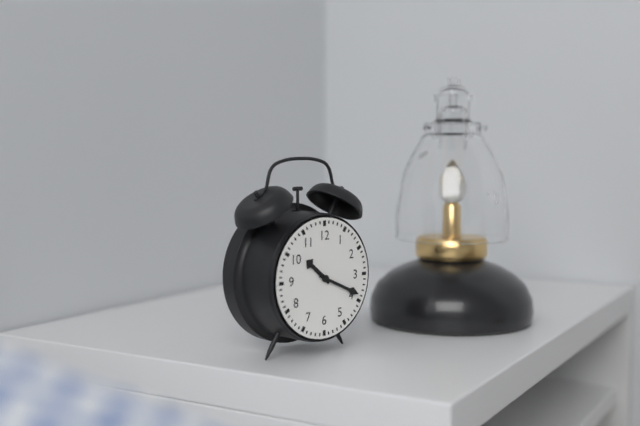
10:19
